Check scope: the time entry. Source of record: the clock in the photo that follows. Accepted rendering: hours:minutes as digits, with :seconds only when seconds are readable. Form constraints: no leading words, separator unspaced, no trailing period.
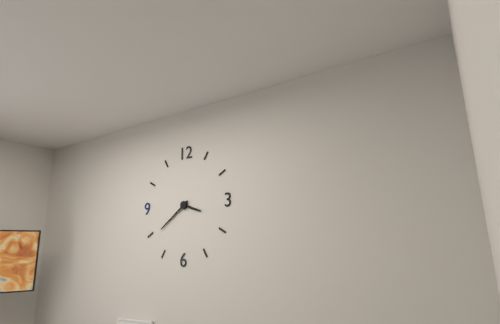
3:39
